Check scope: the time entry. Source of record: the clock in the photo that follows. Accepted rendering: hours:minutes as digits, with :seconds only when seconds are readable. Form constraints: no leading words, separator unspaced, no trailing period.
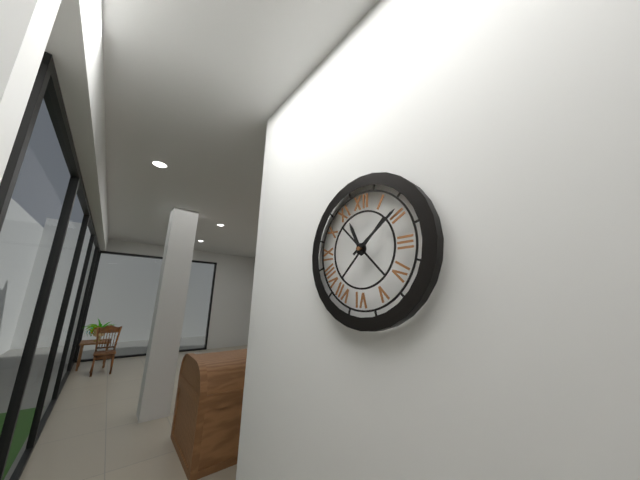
11:09
